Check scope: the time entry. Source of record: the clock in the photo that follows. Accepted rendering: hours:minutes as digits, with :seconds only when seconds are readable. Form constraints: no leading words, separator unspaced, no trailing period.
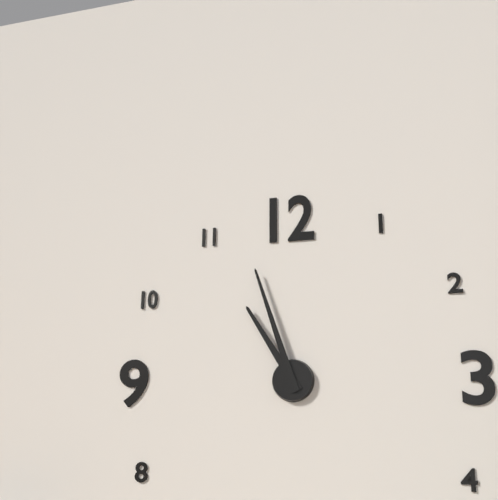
10:57
